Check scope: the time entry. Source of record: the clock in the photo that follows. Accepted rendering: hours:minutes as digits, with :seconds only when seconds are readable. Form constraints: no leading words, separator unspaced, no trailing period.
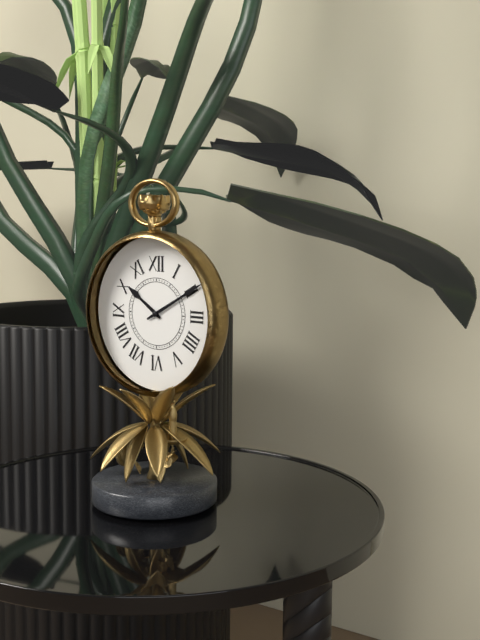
10:10
